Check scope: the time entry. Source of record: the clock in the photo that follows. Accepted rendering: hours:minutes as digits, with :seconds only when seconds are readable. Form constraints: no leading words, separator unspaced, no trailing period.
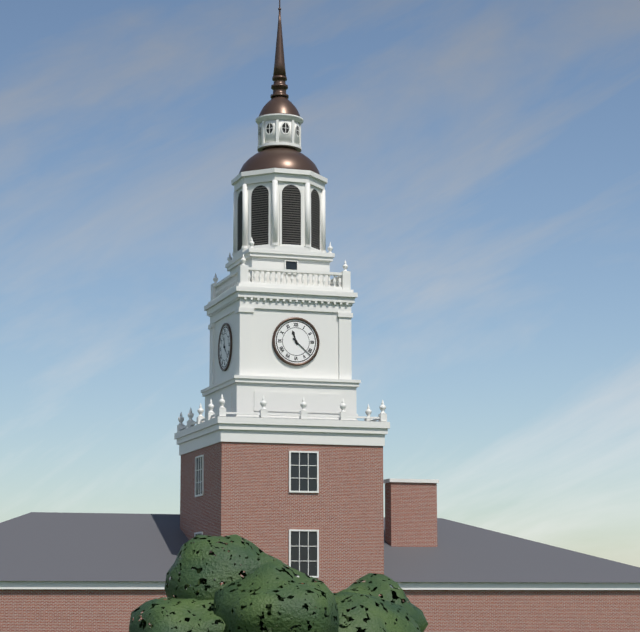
11:22
